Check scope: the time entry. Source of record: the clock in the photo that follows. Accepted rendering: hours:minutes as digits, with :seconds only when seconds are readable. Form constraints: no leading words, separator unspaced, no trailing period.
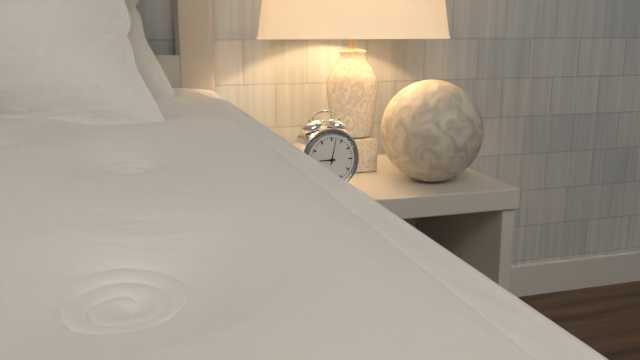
9:02
